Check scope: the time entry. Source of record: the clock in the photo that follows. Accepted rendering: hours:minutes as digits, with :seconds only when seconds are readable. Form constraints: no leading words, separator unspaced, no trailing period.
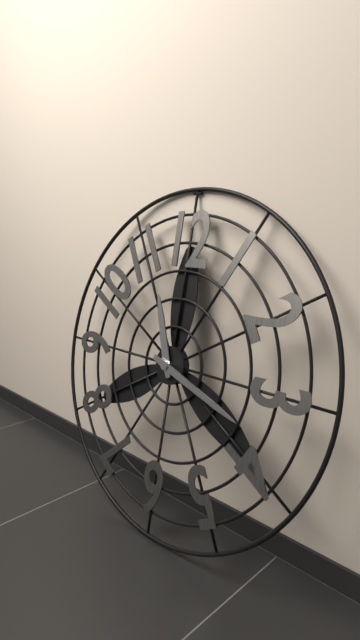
11:18
